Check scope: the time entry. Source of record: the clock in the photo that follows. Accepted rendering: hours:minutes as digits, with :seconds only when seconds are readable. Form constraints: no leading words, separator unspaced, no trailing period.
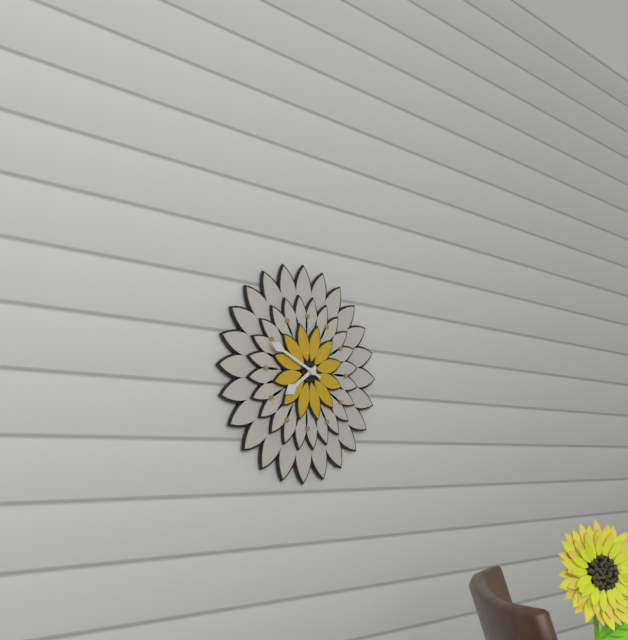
7:49
